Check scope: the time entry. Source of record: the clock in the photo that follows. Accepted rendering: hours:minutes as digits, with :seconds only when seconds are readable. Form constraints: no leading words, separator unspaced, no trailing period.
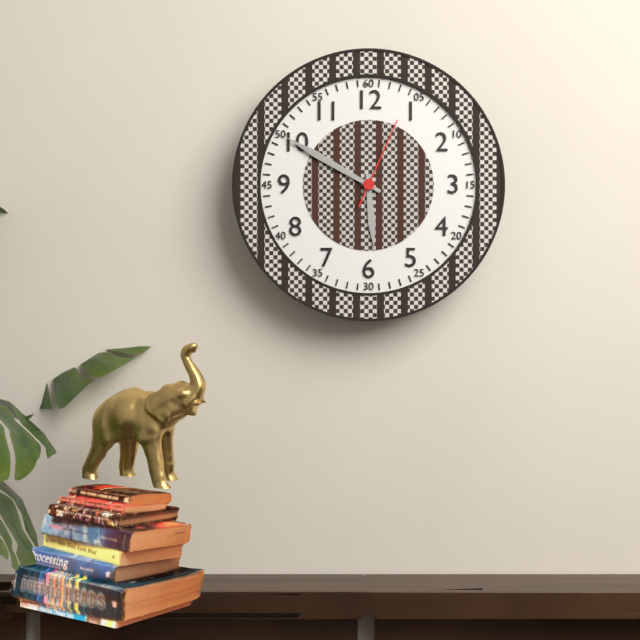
5:50:04
